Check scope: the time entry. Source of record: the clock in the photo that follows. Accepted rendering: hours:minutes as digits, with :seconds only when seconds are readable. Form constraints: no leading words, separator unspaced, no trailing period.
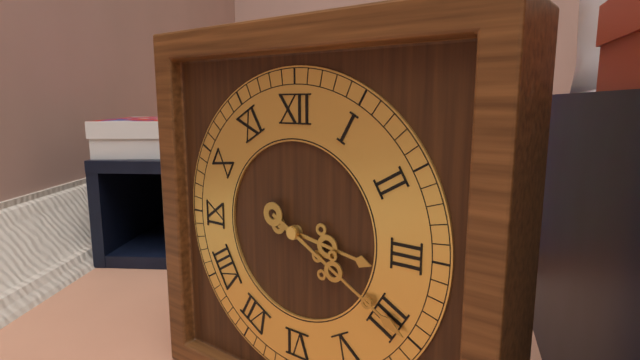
3:20
